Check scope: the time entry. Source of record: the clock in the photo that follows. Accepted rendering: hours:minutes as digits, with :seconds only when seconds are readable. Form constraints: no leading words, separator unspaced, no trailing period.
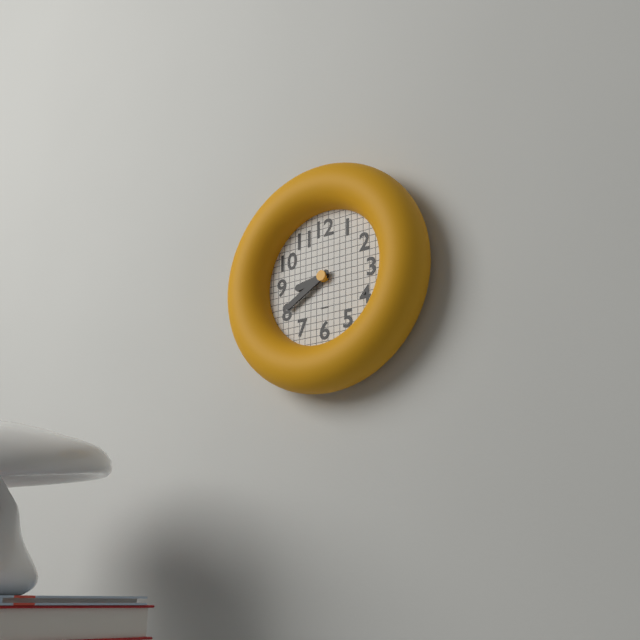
8:40
